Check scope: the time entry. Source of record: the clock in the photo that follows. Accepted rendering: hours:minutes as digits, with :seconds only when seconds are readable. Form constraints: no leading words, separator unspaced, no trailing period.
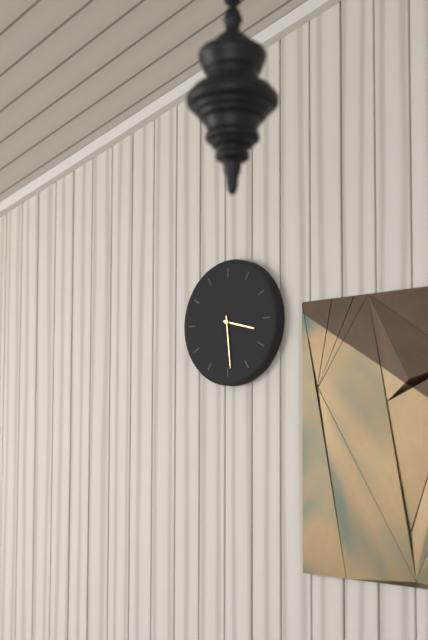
3:29
